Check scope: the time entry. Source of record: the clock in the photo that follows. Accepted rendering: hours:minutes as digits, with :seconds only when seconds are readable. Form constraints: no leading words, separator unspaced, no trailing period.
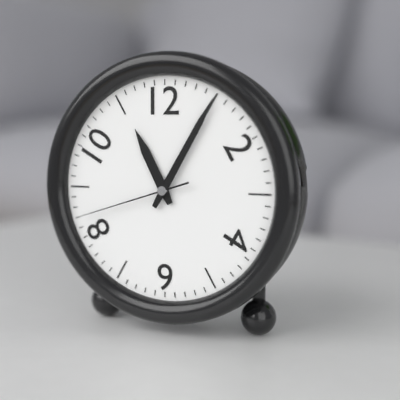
11:05:42
